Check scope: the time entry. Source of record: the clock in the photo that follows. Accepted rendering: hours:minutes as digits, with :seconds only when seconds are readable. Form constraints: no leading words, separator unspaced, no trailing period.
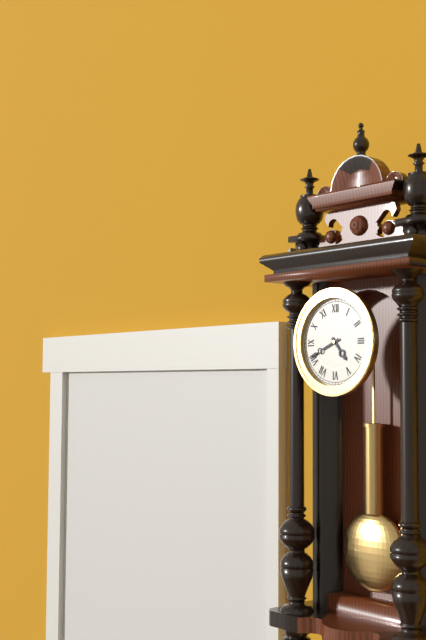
4:41
